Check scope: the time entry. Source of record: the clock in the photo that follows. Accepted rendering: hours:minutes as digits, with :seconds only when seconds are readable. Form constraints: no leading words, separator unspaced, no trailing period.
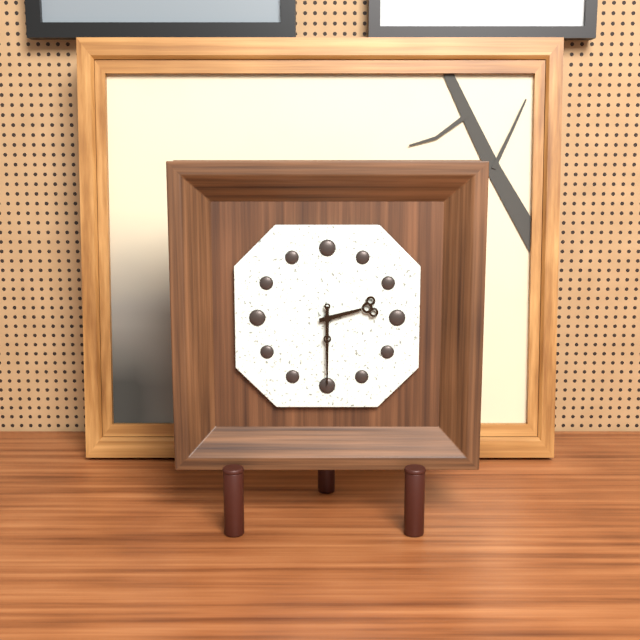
2:30
